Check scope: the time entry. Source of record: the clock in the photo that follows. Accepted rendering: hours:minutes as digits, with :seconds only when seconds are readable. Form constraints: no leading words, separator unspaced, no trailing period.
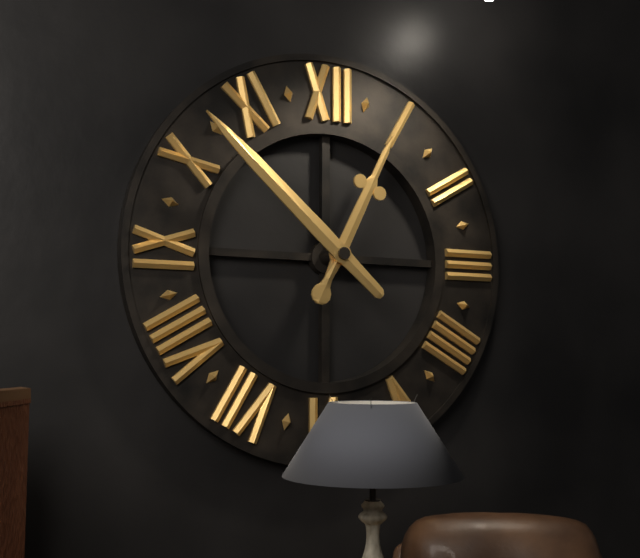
12:52
